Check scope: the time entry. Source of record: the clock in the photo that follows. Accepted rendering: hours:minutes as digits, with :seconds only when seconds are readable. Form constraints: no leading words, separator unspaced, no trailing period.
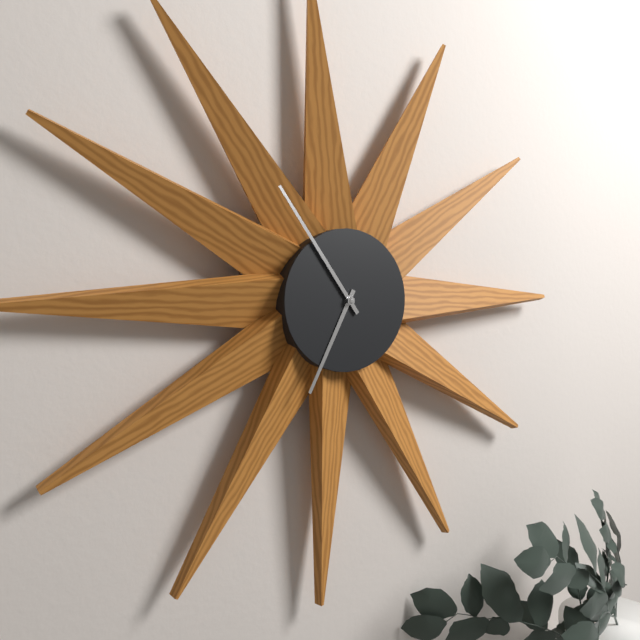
6:54
